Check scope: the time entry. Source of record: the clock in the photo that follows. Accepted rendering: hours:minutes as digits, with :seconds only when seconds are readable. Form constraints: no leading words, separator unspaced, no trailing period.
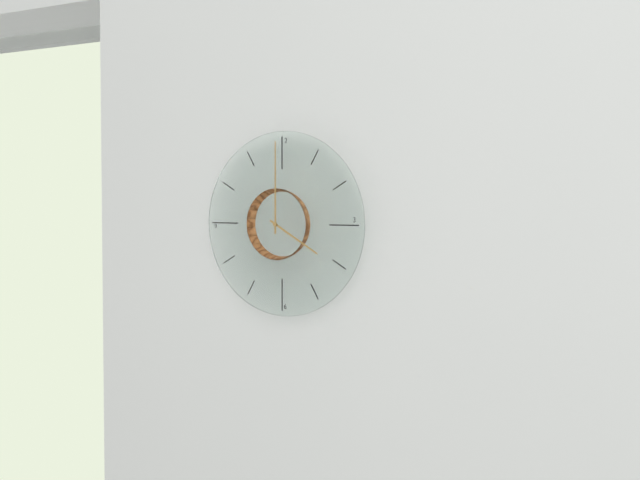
4:00
